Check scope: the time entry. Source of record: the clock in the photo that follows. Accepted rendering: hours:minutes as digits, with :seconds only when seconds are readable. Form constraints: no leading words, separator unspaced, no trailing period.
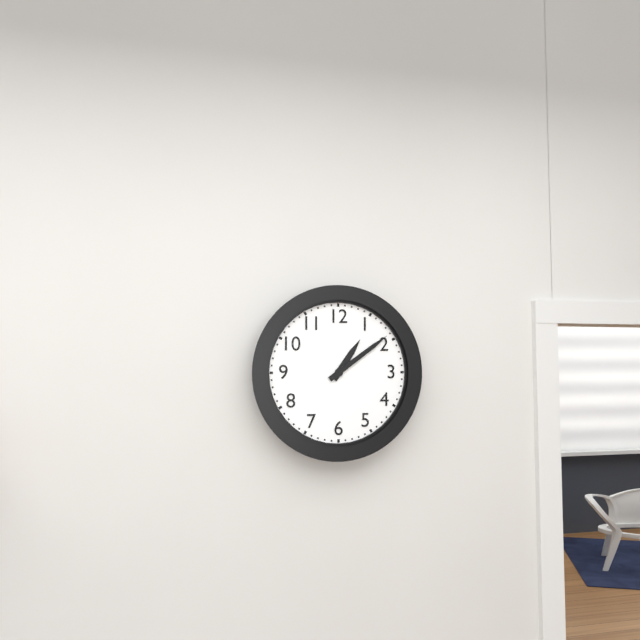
1:09
